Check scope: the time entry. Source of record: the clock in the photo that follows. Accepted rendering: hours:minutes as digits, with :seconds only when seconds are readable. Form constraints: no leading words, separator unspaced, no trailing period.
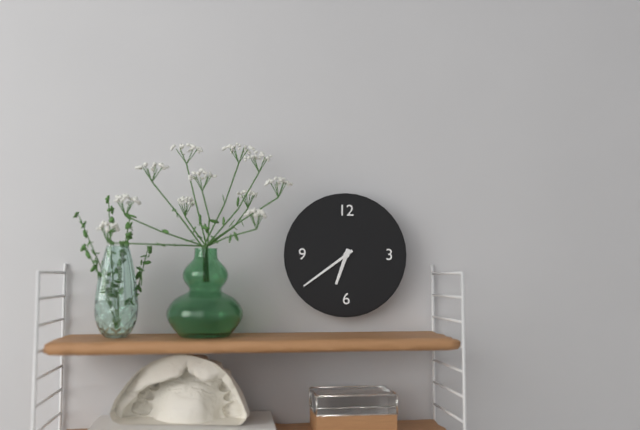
6:39
